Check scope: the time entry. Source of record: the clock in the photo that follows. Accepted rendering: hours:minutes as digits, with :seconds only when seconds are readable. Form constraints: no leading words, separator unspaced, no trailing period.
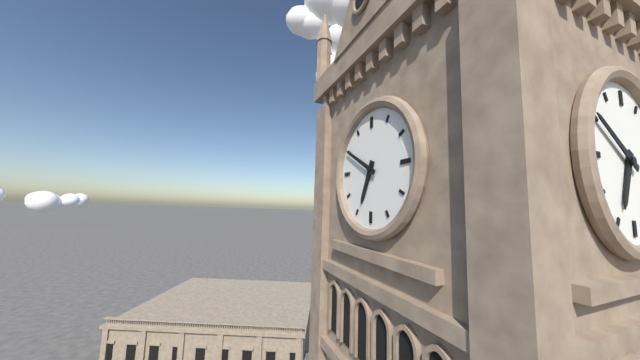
6:50
